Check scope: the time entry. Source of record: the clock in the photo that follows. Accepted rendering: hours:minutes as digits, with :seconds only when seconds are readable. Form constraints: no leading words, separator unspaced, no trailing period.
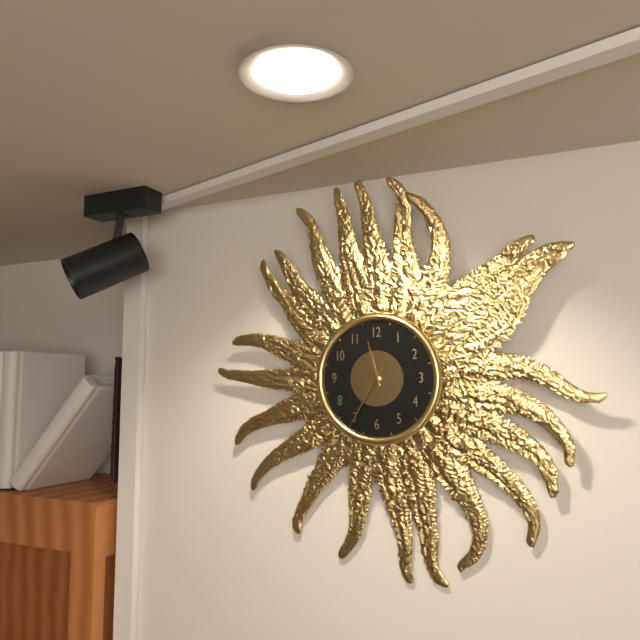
11:35
